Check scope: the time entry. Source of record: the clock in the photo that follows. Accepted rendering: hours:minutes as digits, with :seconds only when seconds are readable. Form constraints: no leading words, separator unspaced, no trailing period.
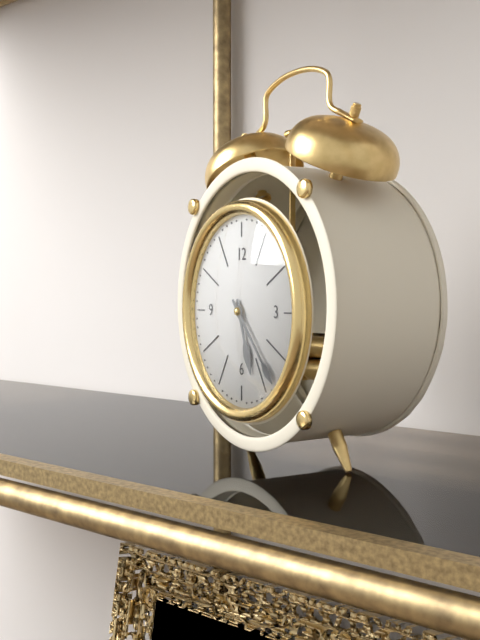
5:23
